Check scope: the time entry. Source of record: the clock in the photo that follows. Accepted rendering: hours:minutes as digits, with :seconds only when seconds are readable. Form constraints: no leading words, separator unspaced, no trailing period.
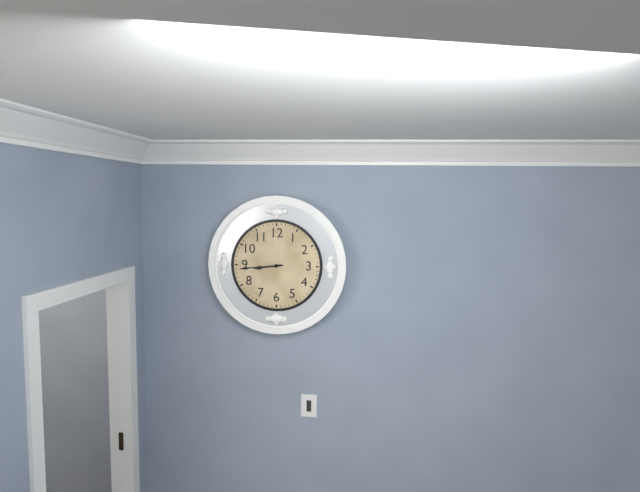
8:44
